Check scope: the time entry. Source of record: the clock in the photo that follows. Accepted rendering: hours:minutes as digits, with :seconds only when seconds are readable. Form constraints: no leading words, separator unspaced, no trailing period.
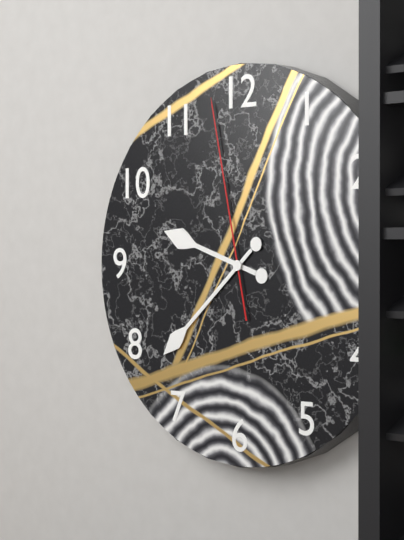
9:38:58
